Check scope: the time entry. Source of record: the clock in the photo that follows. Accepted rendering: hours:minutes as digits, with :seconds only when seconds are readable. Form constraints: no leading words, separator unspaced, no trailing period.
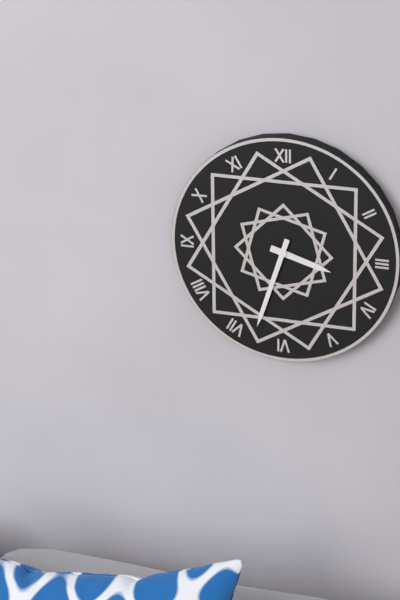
3:33
